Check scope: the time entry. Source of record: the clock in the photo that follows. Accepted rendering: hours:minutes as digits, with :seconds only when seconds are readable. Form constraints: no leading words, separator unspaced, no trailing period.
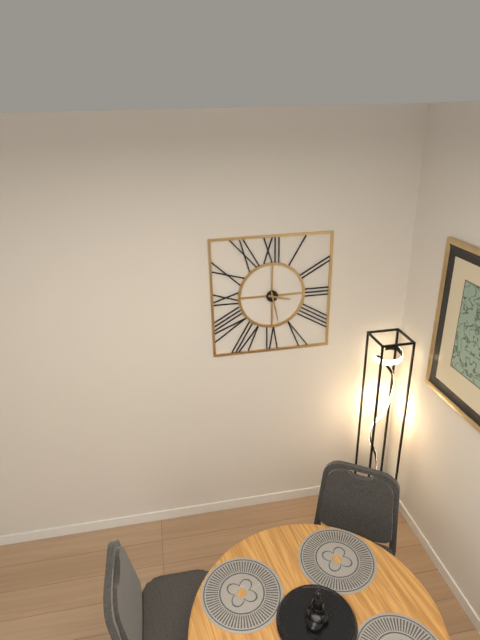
3:28
